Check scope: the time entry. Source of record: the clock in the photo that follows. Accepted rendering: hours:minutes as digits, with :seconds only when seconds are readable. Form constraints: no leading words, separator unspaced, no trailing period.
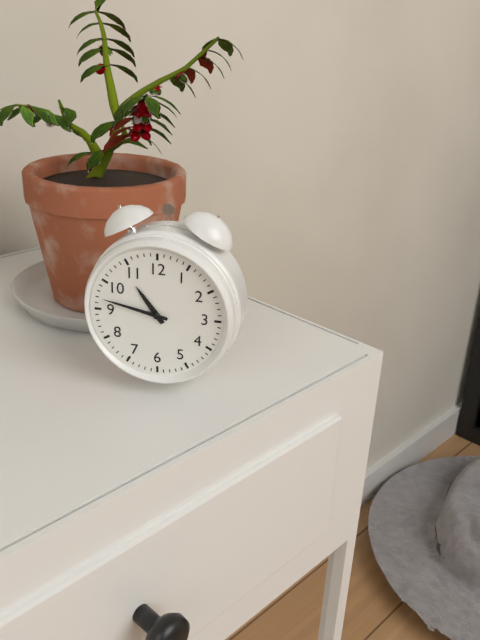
10:47
